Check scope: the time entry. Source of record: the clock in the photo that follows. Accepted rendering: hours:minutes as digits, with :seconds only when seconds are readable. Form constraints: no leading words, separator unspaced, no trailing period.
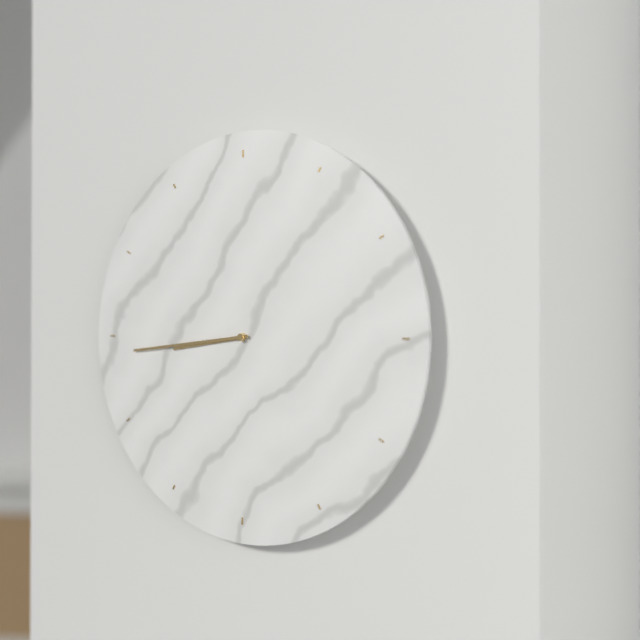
8:44
